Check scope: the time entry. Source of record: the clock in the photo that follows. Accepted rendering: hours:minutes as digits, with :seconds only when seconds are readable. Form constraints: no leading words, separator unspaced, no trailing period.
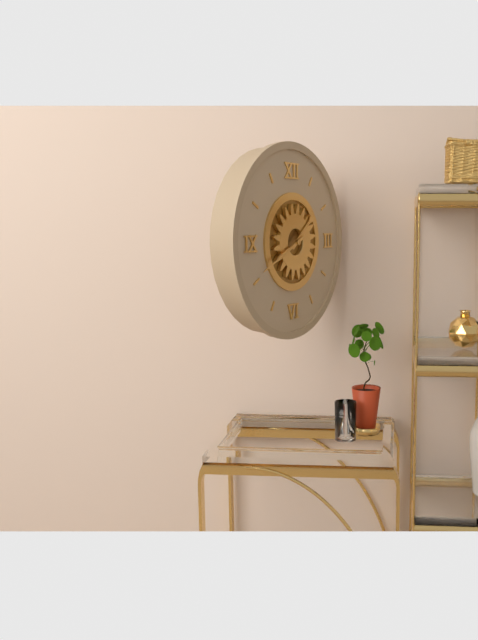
1:41
